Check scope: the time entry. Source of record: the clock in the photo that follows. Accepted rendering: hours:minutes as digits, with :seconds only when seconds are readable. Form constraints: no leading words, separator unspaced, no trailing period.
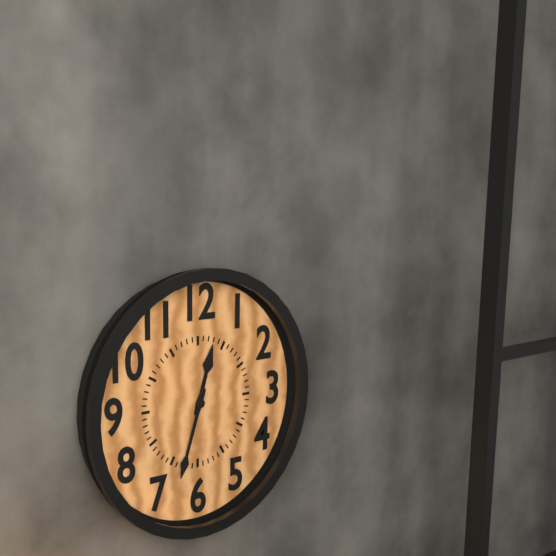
12:33
